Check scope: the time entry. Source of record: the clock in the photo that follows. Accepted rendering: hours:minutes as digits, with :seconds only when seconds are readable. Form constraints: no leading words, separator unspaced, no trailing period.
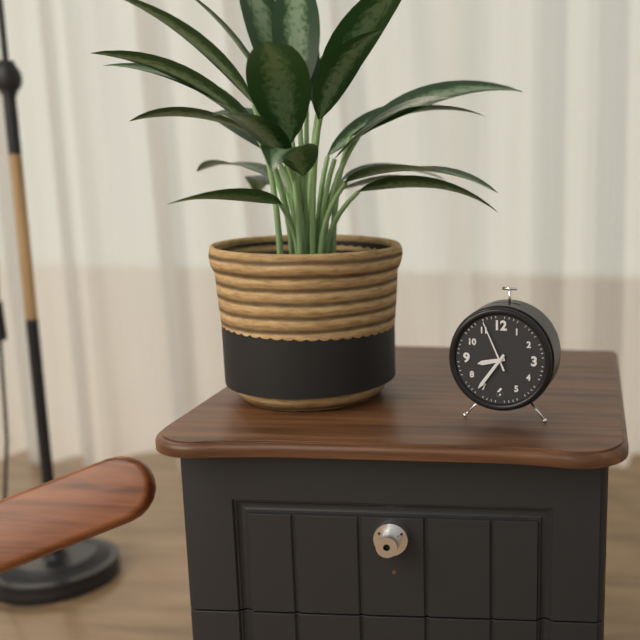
8:36:56
